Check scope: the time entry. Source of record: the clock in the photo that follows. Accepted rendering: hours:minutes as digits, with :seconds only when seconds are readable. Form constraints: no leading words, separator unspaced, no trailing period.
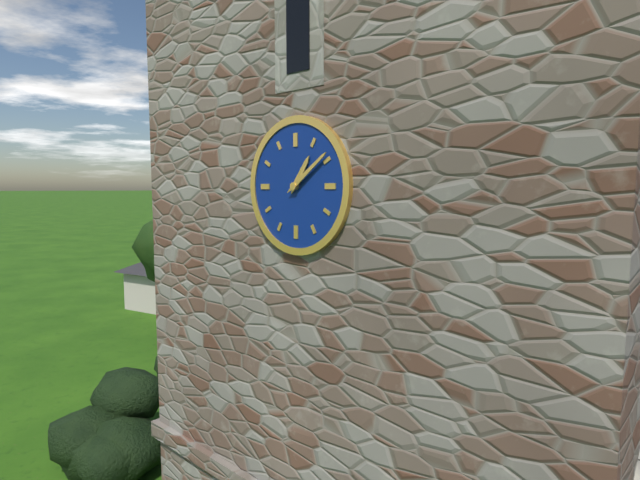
1:09
